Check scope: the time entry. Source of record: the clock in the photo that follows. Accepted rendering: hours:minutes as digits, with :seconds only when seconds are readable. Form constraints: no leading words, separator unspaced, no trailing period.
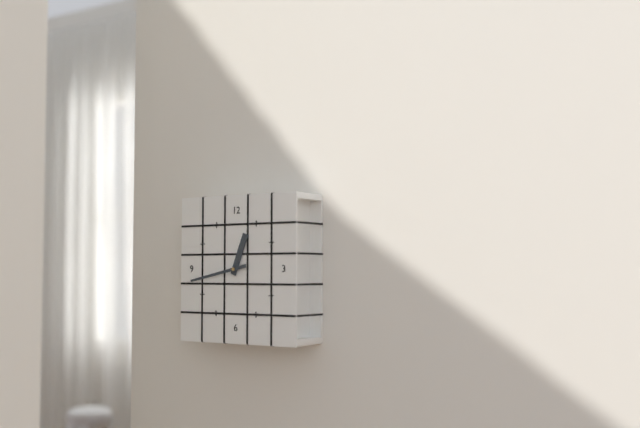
12:43
